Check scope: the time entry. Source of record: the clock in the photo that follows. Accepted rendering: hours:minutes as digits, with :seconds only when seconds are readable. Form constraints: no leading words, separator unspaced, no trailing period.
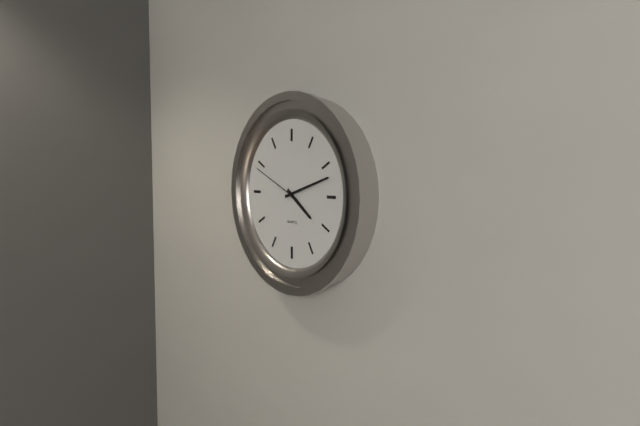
4:12:49
